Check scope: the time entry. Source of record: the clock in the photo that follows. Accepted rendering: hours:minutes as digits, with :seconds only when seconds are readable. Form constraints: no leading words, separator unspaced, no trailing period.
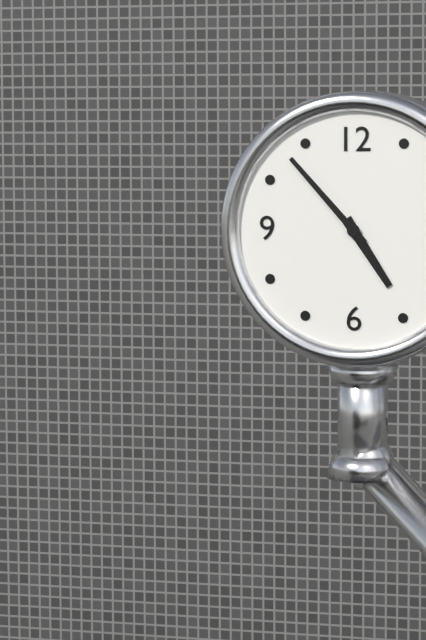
4:53
